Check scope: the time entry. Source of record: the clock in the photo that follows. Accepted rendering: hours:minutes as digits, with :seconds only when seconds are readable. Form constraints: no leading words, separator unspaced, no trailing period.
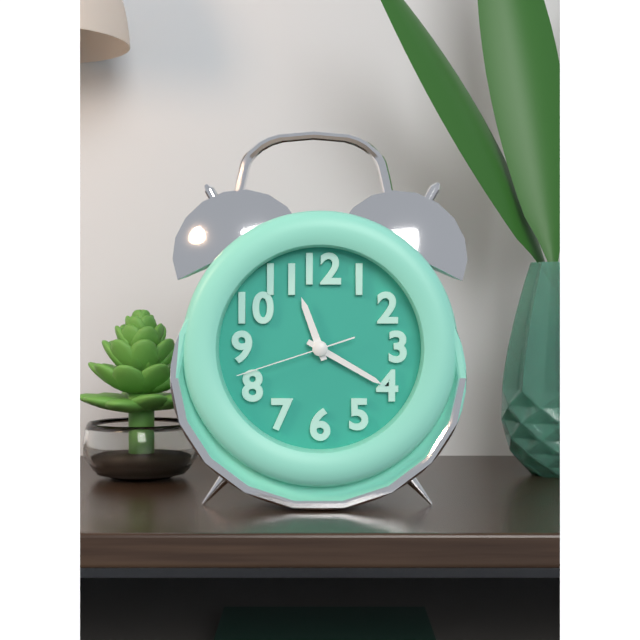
11:20:42
